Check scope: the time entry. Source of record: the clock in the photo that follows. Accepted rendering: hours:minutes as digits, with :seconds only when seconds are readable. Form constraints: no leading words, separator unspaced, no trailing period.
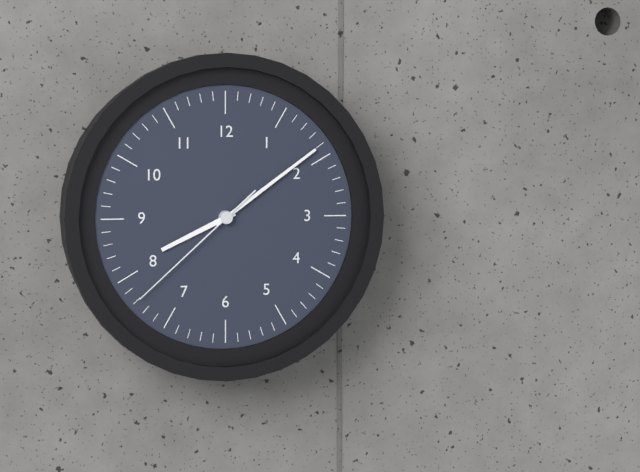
8:09:38
